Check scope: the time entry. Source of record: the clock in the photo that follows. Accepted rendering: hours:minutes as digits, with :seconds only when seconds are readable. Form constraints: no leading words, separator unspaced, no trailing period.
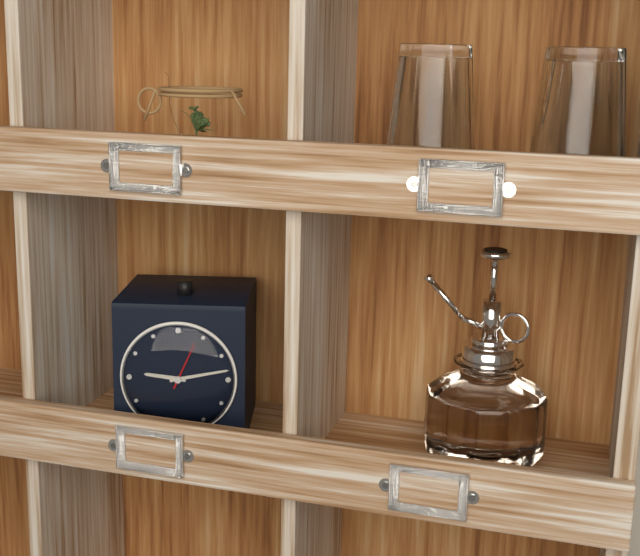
9:13
